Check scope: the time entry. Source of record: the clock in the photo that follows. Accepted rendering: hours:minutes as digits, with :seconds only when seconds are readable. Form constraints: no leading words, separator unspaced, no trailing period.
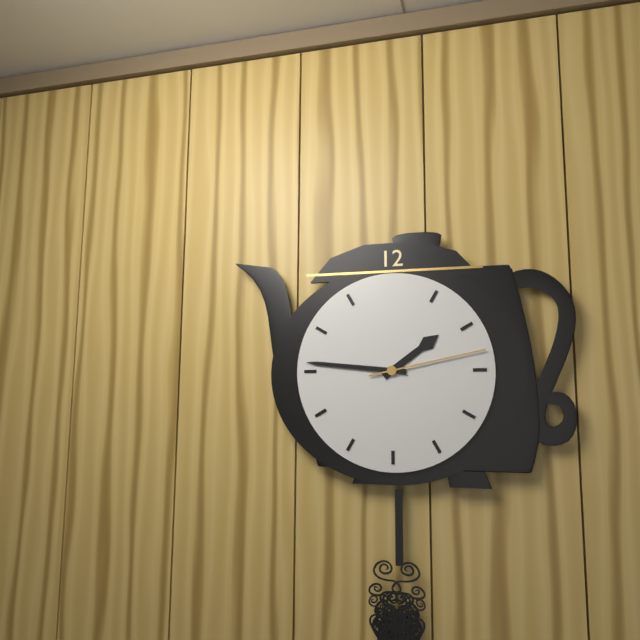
1:46:13
